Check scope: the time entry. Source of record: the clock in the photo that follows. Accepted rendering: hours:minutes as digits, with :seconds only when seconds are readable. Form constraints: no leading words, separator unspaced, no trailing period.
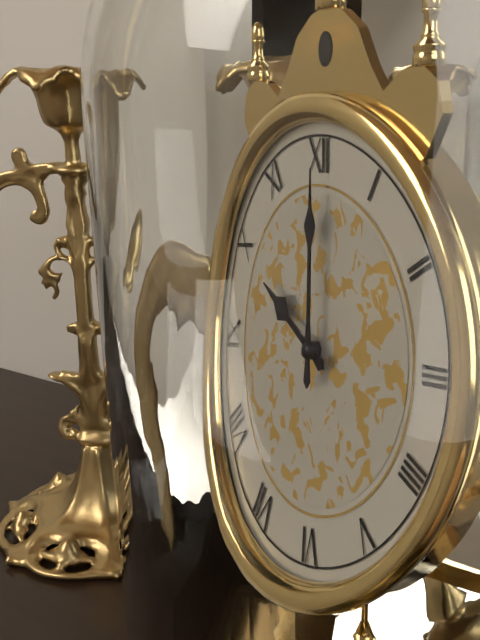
10:00
